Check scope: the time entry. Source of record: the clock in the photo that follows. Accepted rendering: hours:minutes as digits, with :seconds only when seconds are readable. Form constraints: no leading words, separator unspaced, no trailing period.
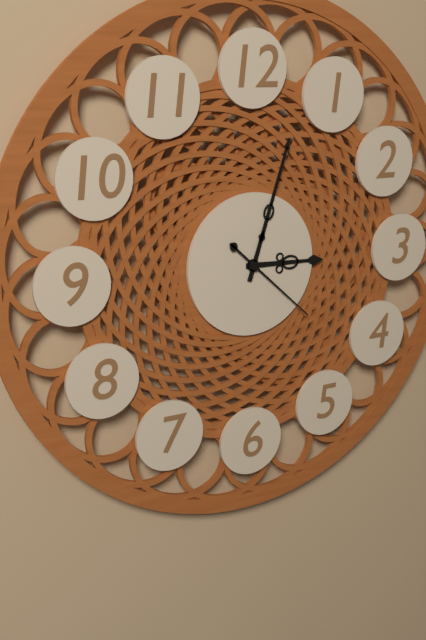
3:03:22
